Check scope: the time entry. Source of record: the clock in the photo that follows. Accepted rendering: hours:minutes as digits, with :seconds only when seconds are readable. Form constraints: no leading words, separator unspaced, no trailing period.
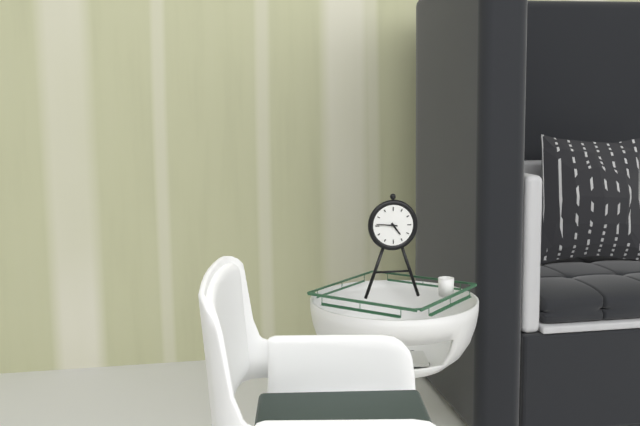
4:46
